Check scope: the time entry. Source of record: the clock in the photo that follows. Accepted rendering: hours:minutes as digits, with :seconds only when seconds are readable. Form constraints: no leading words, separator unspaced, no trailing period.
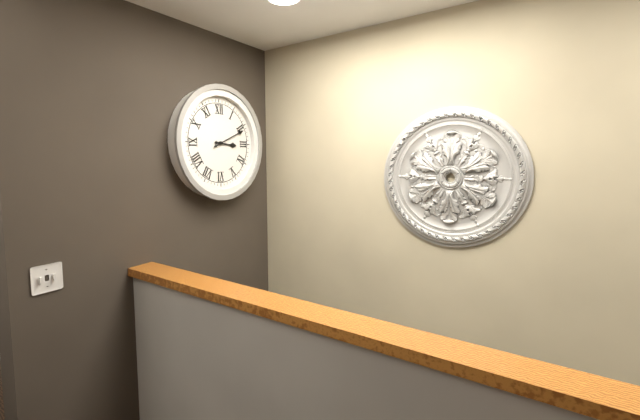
3:11
